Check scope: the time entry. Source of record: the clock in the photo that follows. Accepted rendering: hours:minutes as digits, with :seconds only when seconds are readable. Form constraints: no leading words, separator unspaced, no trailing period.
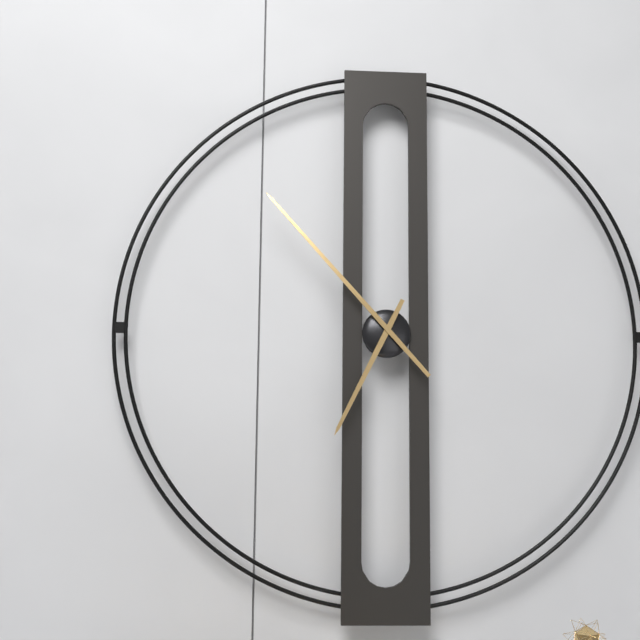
6:53
